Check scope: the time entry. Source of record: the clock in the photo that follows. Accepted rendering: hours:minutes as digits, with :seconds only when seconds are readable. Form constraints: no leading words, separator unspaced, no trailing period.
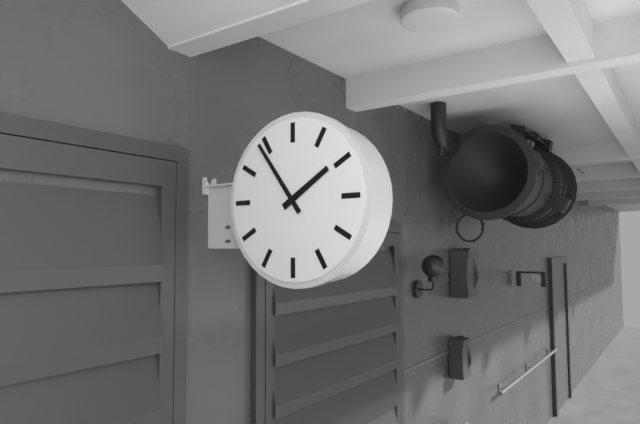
1:54
